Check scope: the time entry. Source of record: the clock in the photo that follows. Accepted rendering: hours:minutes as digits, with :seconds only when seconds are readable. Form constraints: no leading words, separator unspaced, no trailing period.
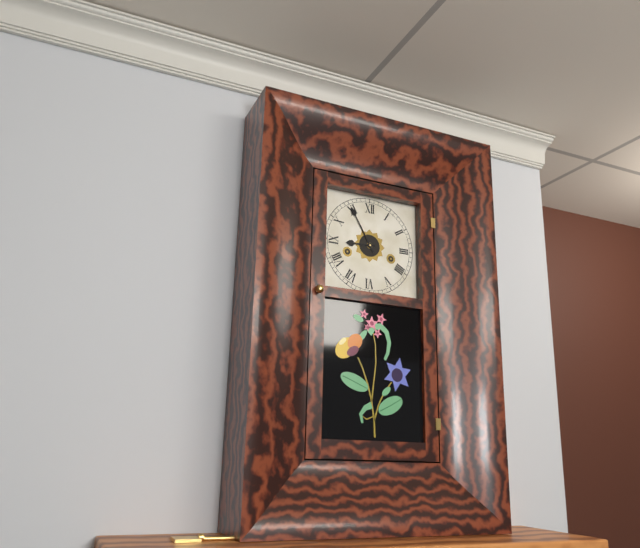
8:55
